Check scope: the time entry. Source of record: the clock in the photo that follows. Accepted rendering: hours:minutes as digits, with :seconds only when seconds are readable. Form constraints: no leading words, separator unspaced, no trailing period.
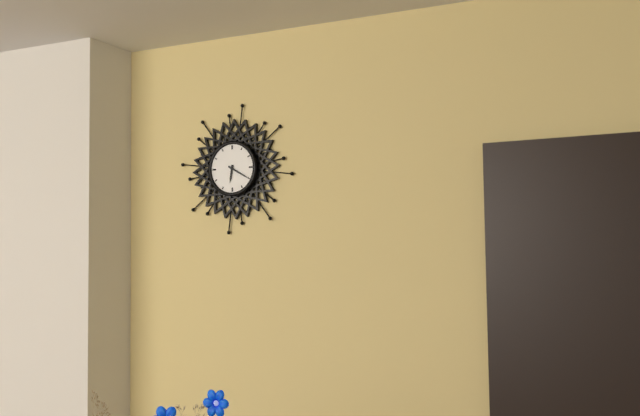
6:20
